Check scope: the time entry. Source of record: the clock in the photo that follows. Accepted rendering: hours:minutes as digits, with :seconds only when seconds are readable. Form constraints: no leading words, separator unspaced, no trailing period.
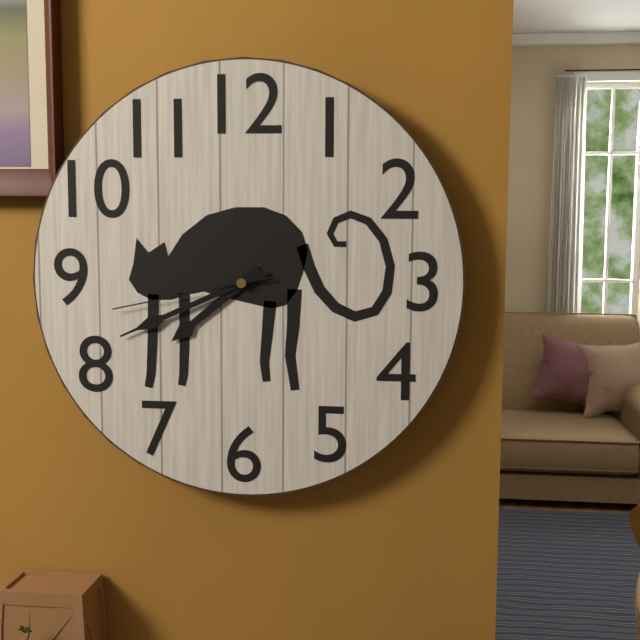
7:41:43
